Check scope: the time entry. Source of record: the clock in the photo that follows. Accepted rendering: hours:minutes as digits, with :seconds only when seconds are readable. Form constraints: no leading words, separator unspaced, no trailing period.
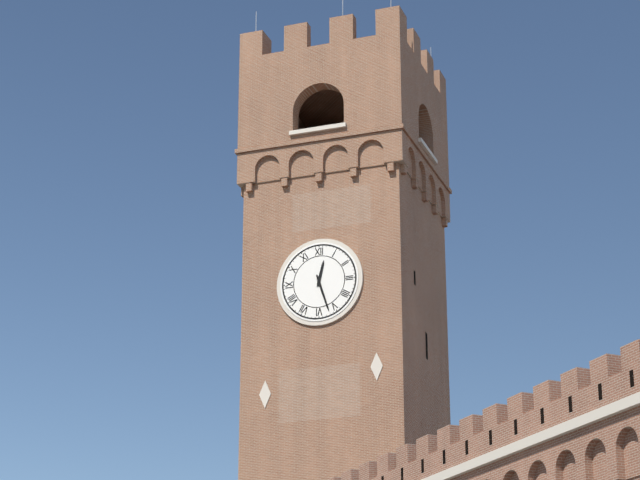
12:27
